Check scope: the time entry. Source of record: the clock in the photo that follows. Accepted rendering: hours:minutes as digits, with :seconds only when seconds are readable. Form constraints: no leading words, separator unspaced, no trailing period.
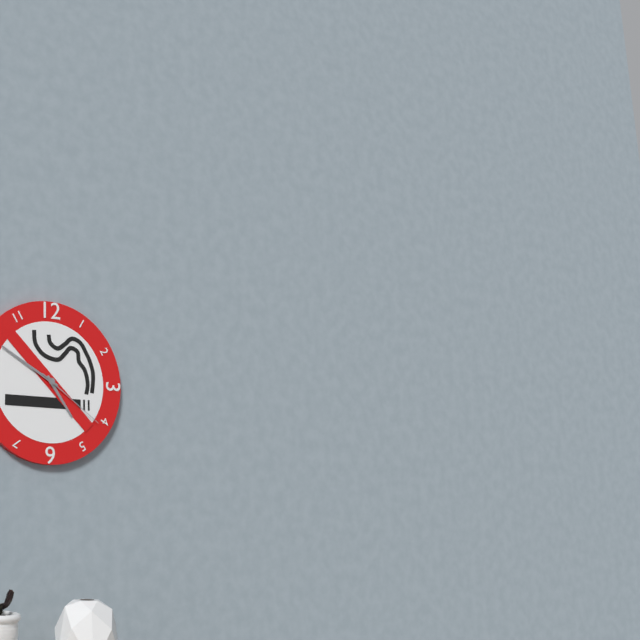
4:50:21
